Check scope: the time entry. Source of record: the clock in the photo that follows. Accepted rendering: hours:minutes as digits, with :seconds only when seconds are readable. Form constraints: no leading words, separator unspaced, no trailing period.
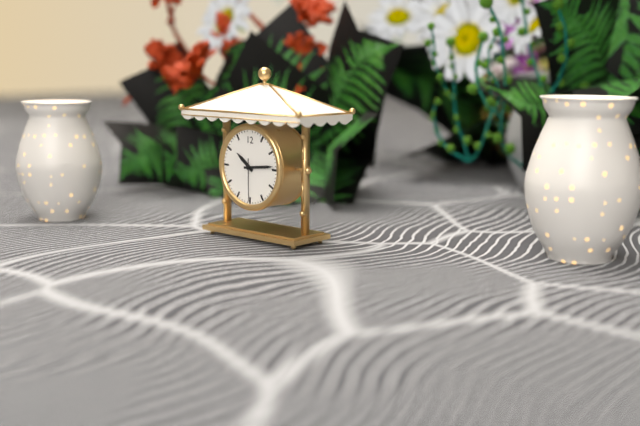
10:14
